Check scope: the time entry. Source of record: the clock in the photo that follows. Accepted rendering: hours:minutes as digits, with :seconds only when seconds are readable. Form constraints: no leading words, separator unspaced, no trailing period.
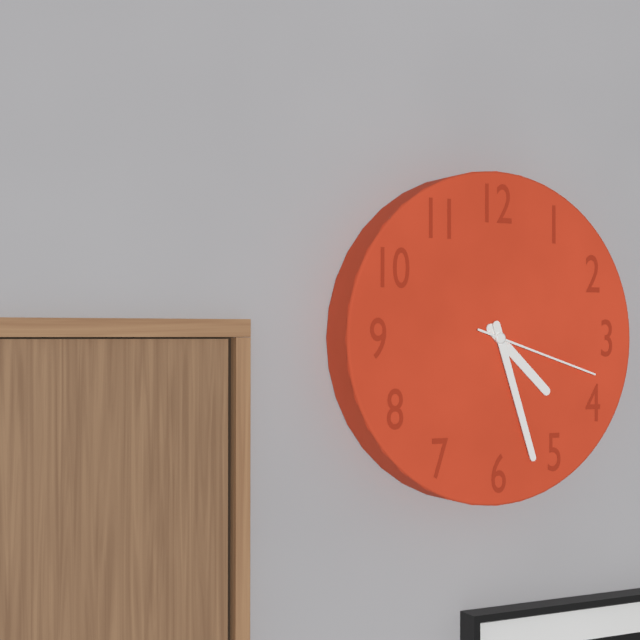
4:27:18
